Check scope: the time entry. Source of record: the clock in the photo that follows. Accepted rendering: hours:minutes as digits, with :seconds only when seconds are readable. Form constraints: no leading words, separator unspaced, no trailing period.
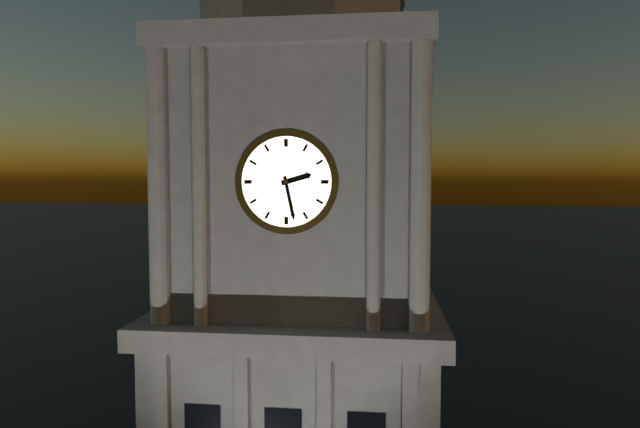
2:28
